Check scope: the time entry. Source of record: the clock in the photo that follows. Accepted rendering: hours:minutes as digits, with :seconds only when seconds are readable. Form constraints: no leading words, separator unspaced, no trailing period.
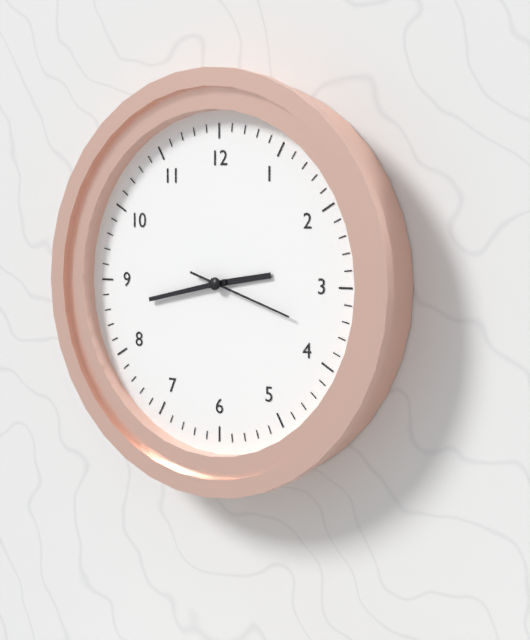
2:43:18
